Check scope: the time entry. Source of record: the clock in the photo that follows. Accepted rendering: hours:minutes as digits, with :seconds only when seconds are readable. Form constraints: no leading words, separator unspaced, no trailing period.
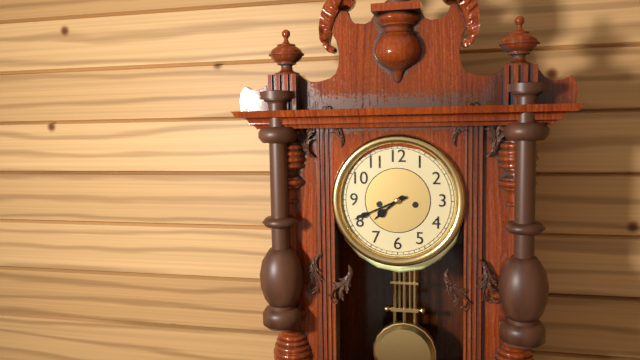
7:41
